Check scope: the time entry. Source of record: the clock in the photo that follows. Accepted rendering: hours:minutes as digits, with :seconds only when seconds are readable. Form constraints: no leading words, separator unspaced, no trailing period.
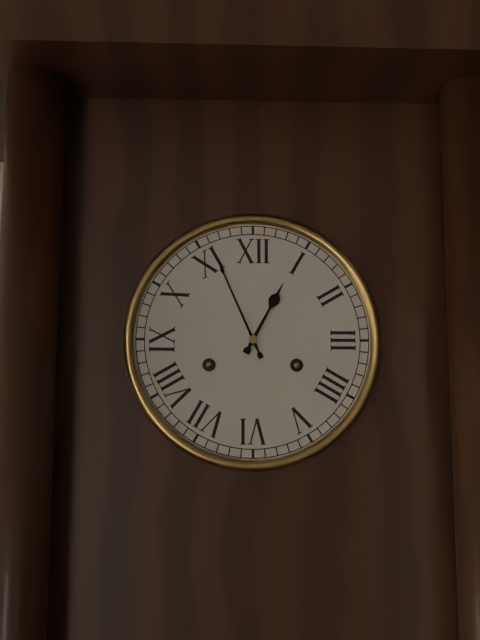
12:56
